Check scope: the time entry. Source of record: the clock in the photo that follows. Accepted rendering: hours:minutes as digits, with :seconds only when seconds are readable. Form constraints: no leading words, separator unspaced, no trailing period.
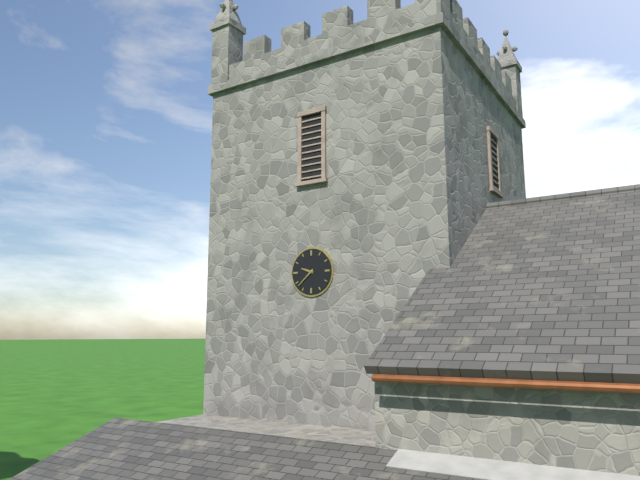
9:38
